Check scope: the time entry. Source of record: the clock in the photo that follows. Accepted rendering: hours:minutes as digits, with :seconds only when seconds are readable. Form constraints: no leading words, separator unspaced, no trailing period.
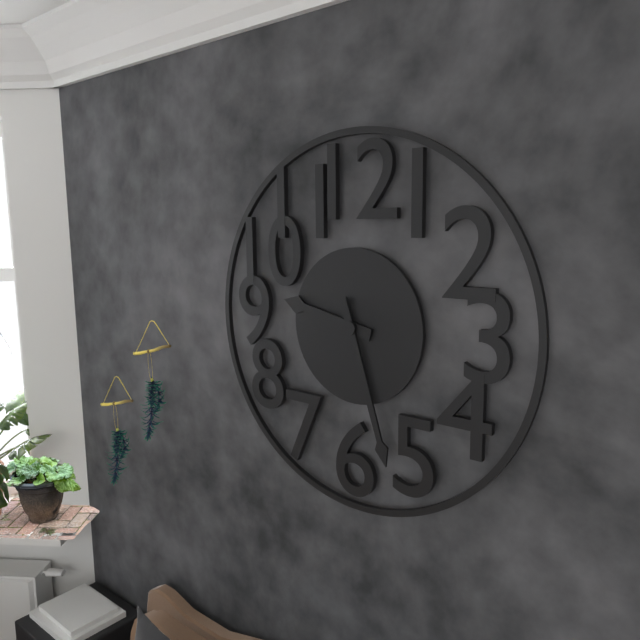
9:27
